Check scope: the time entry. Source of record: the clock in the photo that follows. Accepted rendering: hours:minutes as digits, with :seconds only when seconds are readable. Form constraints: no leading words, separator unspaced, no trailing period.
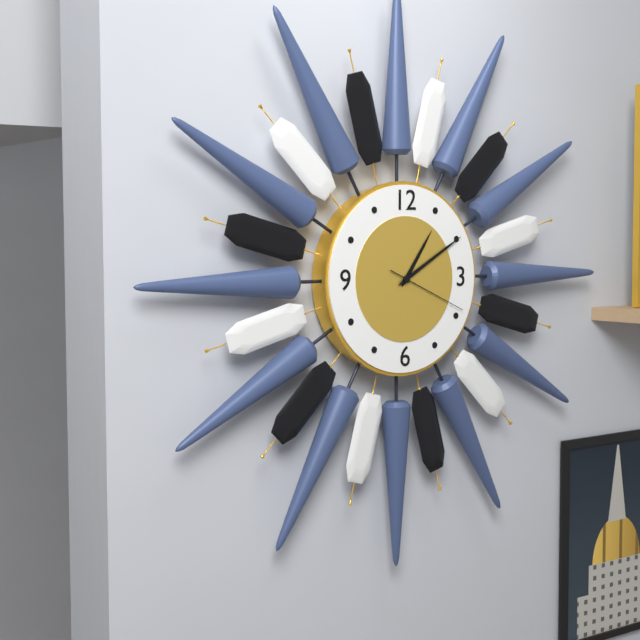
1:10:19
